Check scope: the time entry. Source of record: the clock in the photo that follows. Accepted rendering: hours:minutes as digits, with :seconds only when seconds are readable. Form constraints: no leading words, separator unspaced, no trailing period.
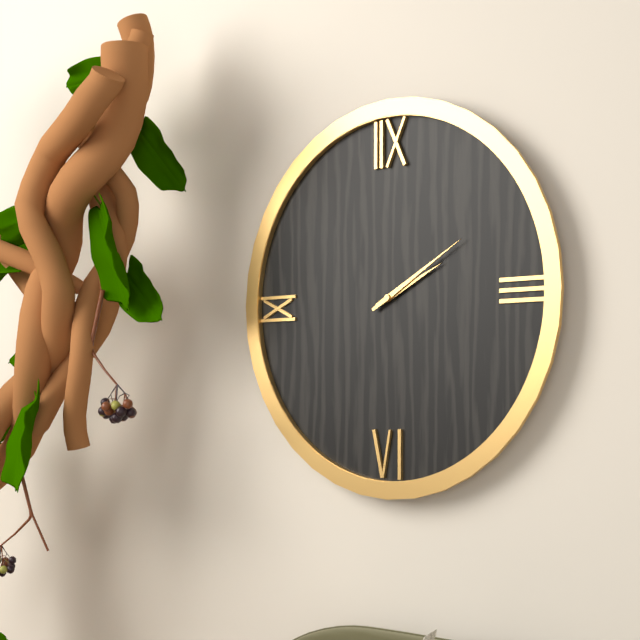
2:10
